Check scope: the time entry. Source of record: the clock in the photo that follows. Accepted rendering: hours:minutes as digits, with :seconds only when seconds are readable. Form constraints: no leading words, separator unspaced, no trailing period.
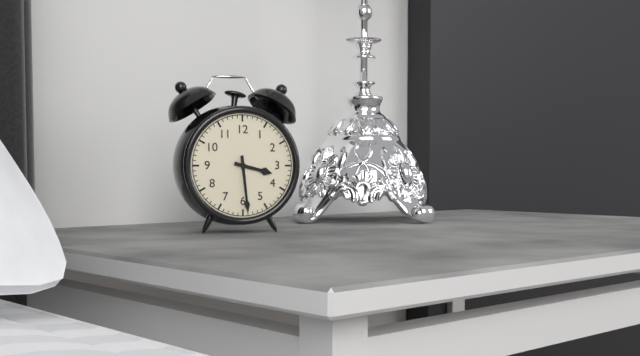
3:29
